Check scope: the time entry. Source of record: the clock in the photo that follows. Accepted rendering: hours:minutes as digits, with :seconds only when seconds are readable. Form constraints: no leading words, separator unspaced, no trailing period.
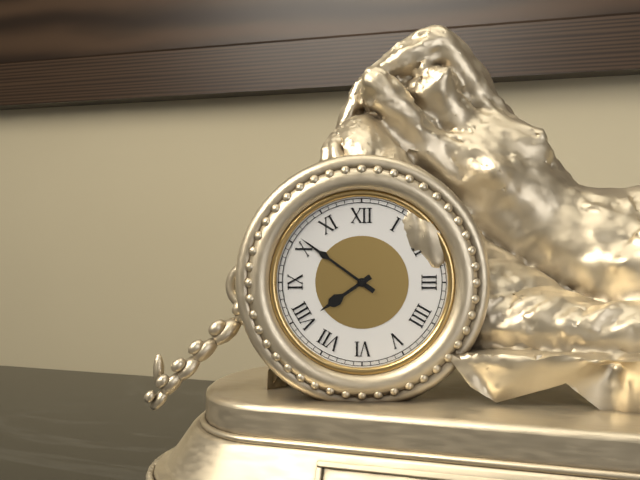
7:51
